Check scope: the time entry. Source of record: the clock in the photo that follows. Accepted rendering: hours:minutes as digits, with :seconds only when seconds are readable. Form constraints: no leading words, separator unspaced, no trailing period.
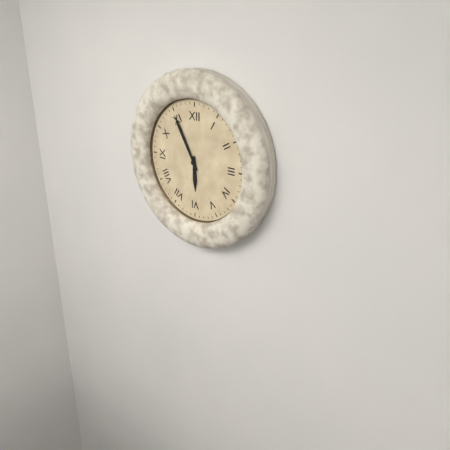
5:55
